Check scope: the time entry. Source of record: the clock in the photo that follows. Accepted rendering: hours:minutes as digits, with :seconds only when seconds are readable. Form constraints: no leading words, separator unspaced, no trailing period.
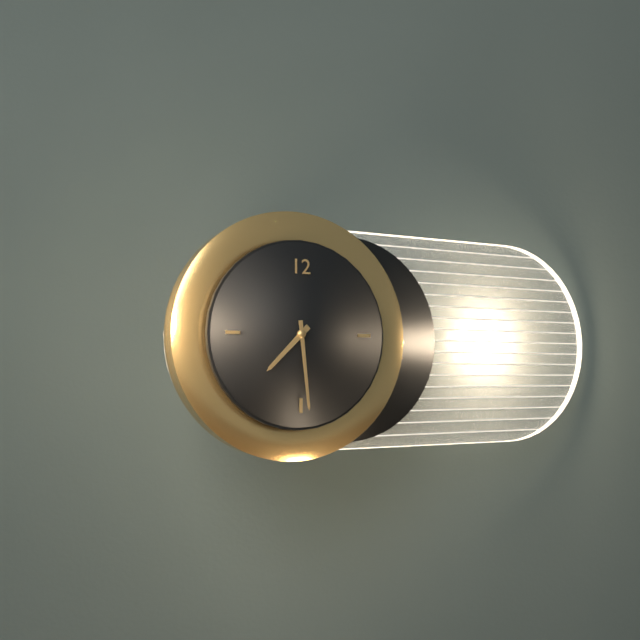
7:29
